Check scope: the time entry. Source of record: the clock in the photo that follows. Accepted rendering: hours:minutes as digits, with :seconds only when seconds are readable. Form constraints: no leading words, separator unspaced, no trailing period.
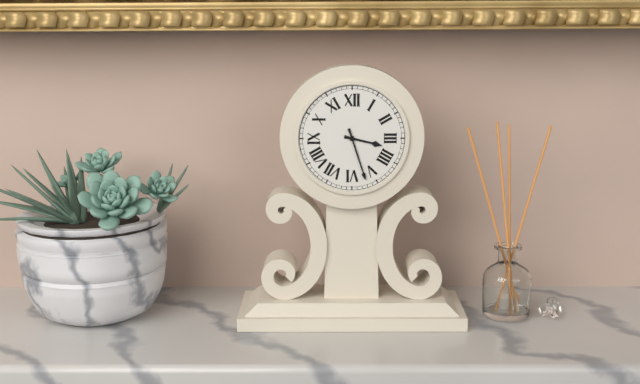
3:27
